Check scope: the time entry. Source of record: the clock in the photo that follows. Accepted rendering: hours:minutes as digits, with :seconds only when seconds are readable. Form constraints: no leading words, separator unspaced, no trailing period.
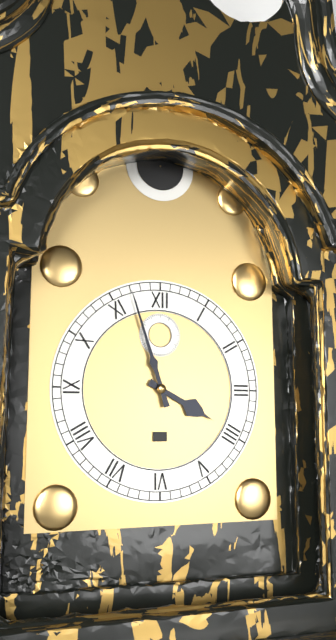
3:57
